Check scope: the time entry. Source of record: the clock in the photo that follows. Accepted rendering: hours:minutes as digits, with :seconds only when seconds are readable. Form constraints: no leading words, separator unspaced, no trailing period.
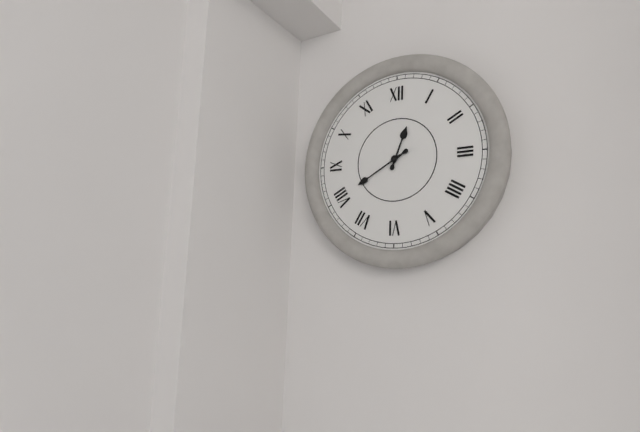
12:40
